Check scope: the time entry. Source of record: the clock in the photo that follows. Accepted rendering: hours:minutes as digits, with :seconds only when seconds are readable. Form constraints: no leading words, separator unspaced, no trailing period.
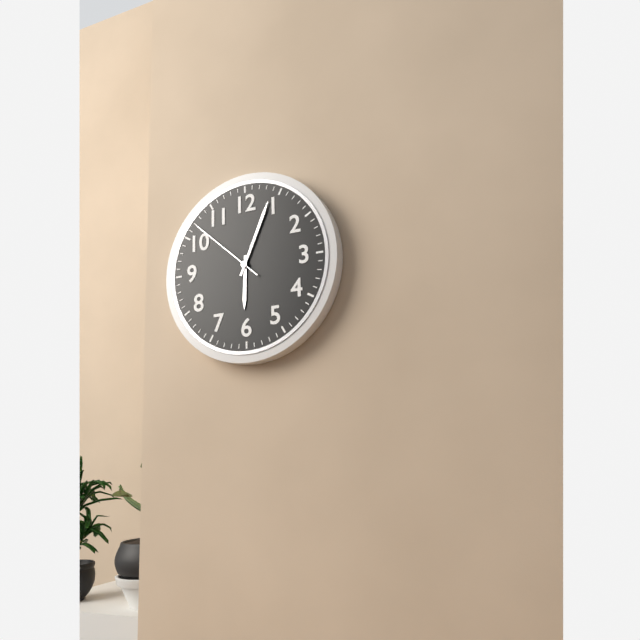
6:04:52
